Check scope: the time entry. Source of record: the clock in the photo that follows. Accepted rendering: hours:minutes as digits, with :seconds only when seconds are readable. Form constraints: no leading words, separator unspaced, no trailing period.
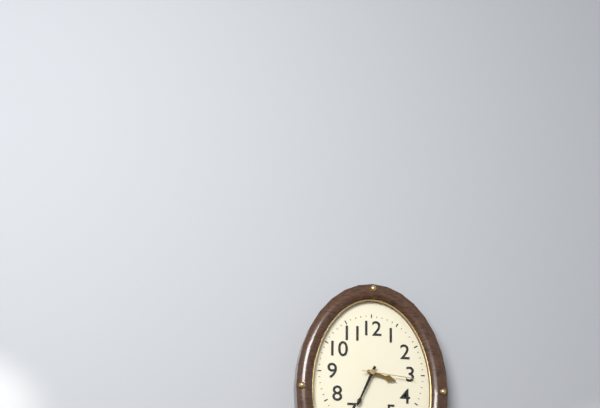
3:34:16
